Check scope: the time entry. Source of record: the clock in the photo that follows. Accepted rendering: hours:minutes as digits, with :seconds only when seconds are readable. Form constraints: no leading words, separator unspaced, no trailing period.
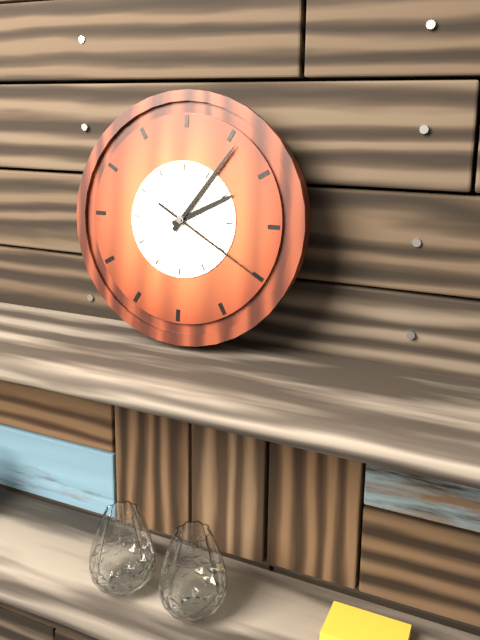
2:06:20
